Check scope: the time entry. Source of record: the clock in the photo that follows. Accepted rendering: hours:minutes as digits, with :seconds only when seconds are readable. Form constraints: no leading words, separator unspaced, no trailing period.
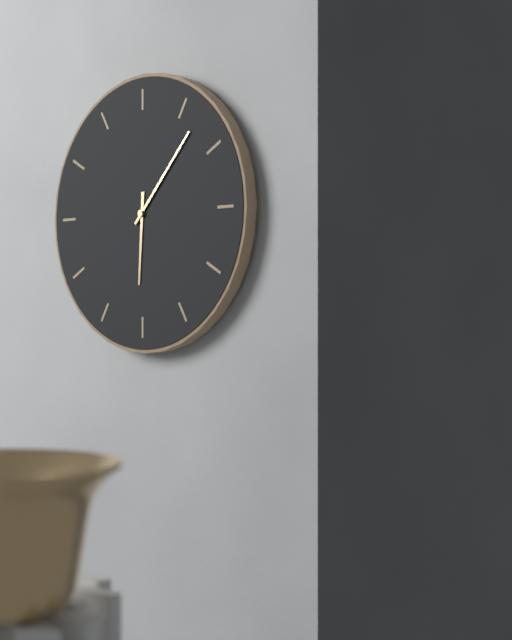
6:07
